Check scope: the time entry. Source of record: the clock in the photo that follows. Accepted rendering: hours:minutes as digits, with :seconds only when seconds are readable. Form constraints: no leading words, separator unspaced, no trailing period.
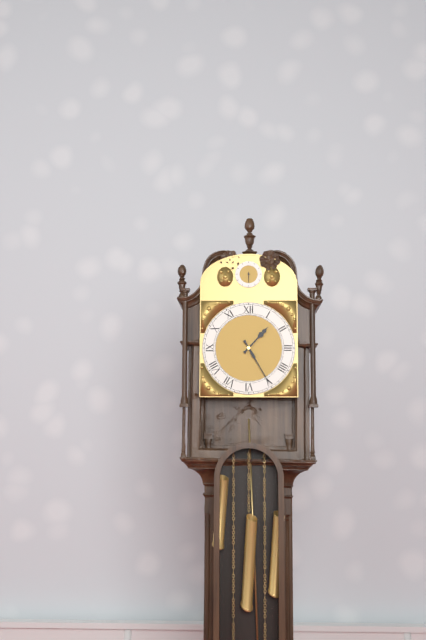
1:25
